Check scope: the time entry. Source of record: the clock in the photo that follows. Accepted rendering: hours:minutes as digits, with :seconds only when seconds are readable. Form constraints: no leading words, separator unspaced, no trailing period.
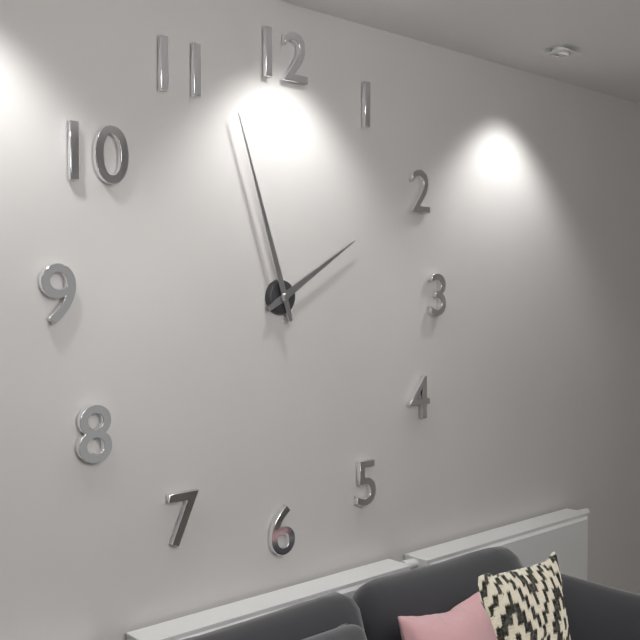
1:57
